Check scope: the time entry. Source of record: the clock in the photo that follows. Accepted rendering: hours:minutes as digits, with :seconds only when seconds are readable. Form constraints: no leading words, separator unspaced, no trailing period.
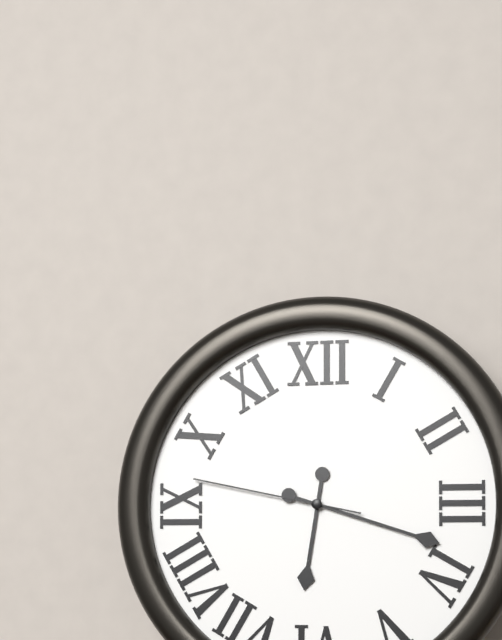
6:18:47
